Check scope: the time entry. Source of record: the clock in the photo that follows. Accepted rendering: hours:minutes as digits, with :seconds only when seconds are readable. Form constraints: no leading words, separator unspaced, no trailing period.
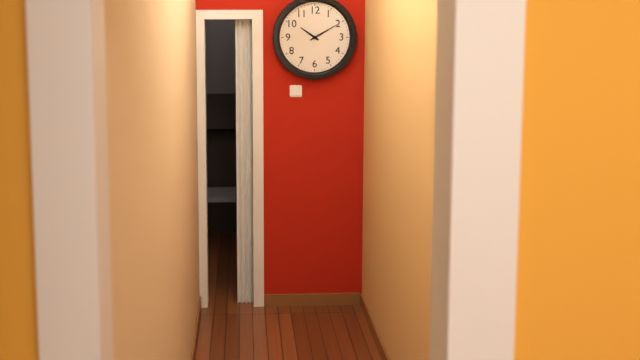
10:10
